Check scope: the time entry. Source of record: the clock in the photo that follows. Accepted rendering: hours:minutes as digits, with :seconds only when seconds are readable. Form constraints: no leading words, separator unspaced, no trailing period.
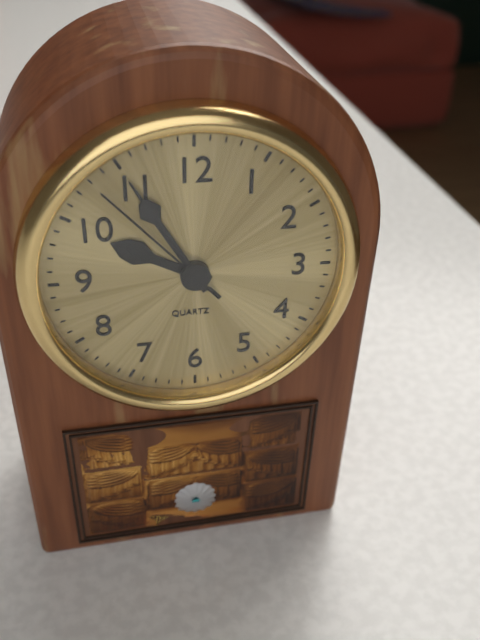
9:55:53
